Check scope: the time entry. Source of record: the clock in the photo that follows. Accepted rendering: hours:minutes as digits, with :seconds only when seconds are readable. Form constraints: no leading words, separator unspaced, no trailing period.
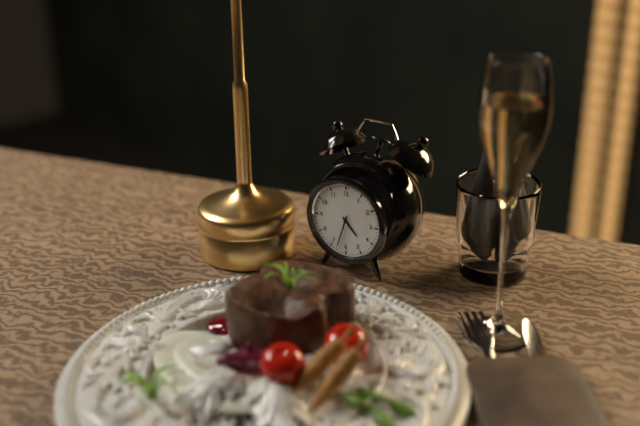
4:33
